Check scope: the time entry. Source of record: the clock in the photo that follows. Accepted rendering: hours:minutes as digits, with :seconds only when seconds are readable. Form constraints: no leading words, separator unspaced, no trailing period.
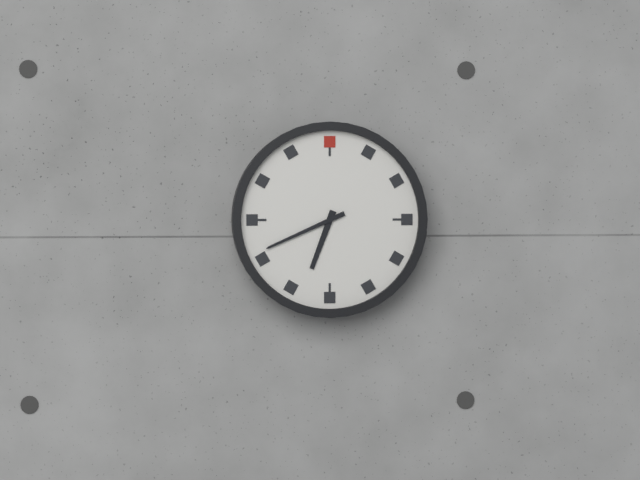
6:41
